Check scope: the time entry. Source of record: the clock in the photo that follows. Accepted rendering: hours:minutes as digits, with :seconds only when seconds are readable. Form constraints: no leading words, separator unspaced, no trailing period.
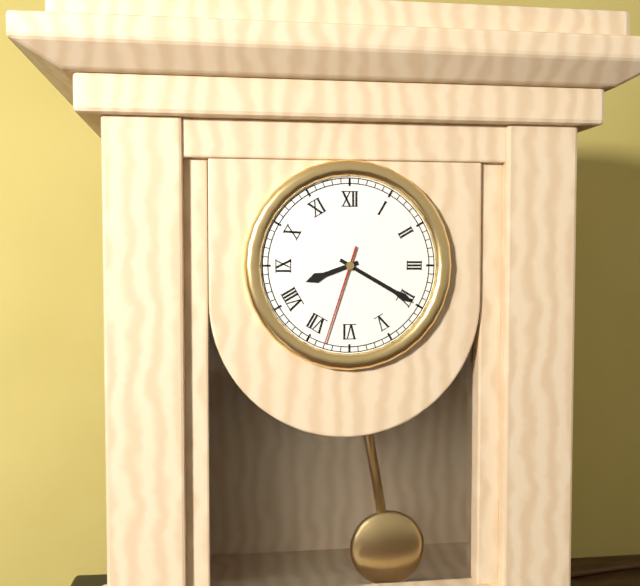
8:20:33
